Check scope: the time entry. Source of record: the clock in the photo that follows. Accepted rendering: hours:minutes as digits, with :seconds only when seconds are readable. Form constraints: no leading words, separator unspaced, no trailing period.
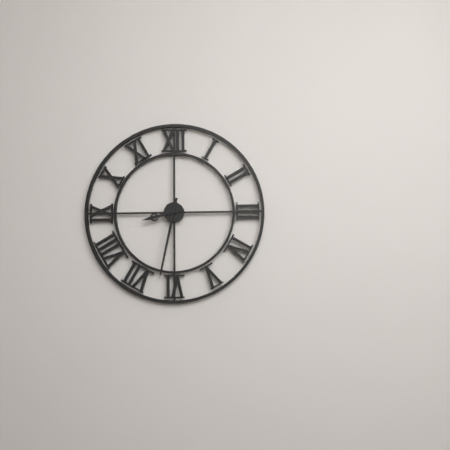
8:32
